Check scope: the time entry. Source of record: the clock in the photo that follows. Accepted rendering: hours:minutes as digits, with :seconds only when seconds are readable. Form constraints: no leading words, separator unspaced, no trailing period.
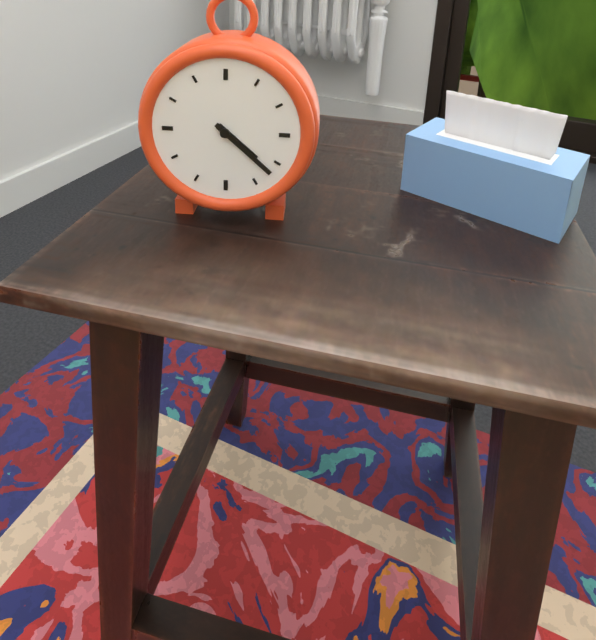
4:22
